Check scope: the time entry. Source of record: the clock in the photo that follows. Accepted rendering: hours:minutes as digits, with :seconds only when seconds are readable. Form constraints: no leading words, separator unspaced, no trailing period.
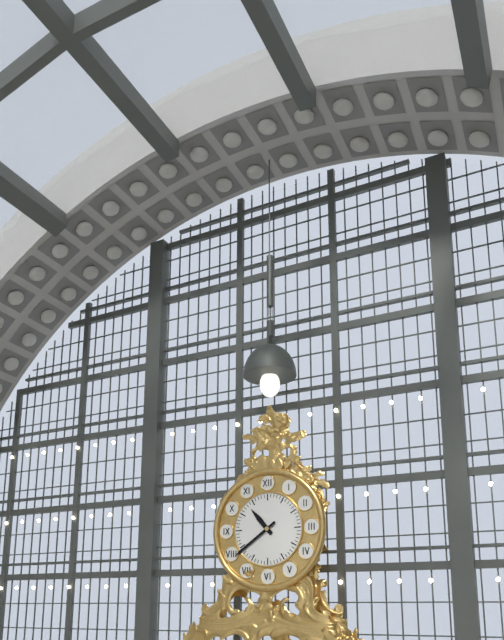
10:39
